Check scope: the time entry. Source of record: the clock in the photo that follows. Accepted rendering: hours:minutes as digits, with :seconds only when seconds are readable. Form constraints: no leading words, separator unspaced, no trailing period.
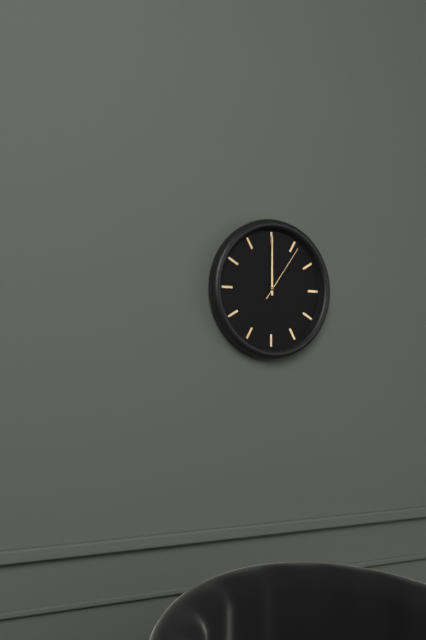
12:00:06
